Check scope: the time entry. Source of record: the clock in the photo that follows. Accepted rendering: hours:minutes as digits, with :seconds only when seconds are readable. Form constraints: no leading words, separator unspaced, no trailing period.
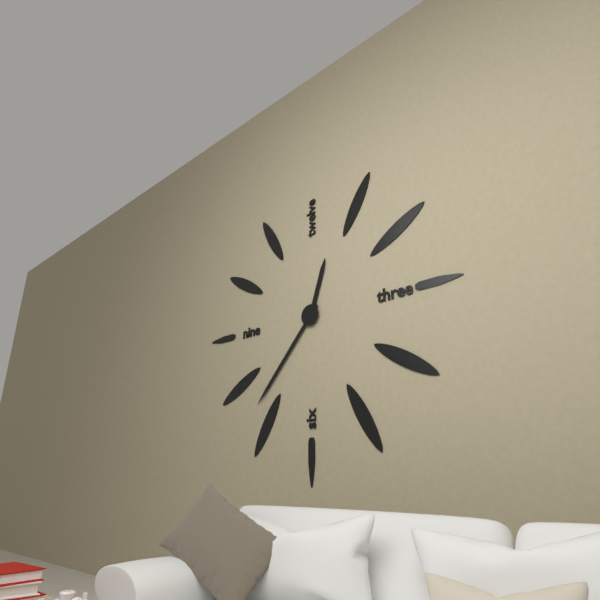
12:37
